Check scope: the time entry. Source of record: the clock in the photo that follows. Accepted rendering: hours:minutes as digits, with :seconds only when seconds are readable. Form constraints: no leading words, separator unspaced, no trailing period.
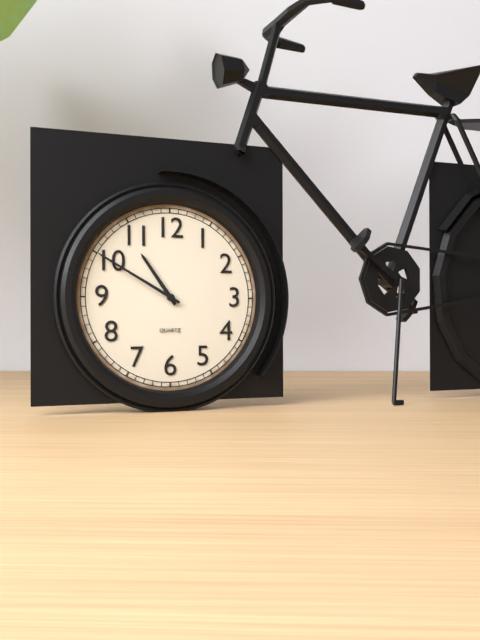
10:50
